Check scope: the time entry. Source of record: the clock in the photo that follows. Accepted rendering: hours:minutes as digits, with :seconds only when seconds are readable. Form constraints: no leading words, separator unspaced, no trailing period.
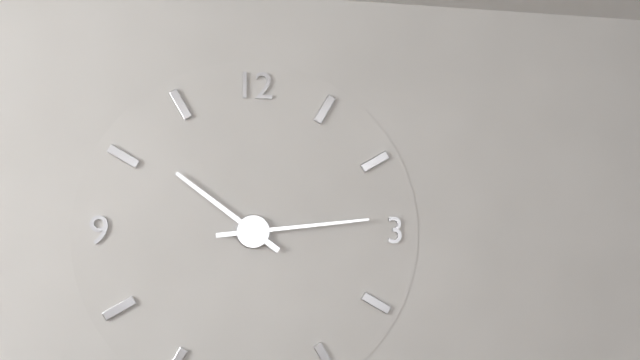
10:14
